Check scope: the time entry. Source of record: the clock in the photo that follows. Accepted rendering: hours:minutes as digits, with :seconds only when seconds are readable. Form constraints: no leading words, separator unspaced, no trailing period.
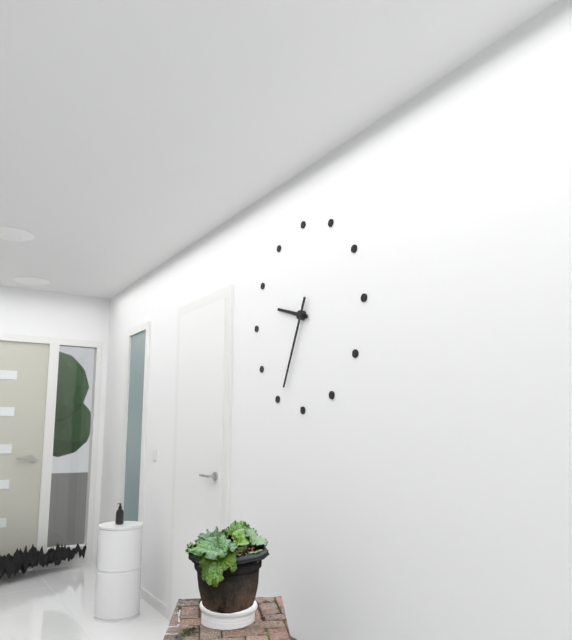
9:34
